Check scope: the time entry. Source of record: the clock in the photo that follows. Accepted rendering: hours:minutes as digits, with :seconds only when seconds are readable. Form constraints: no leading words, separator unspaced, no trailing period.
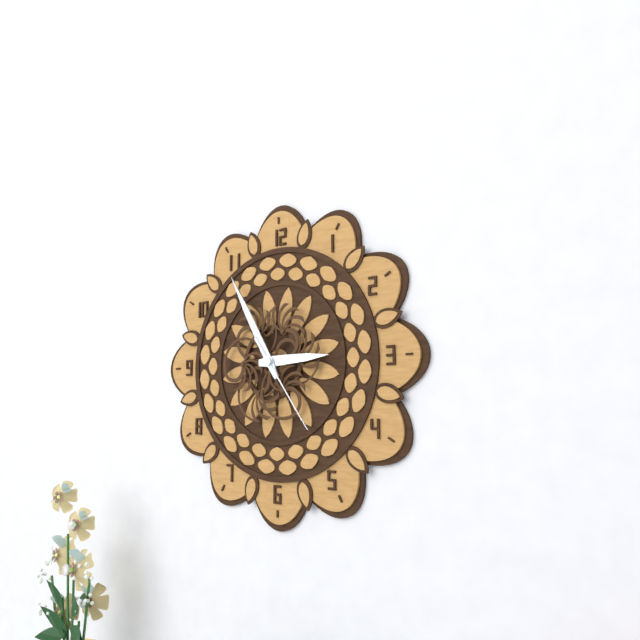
2:55:24
